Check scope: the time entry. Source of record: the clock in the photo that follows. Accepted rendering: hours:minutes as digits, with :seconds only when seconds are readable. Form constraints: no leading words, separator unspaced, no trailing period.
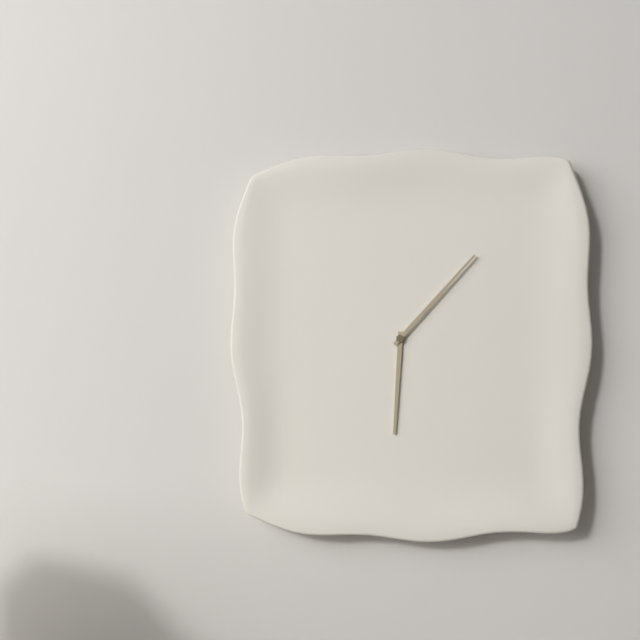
6:07
